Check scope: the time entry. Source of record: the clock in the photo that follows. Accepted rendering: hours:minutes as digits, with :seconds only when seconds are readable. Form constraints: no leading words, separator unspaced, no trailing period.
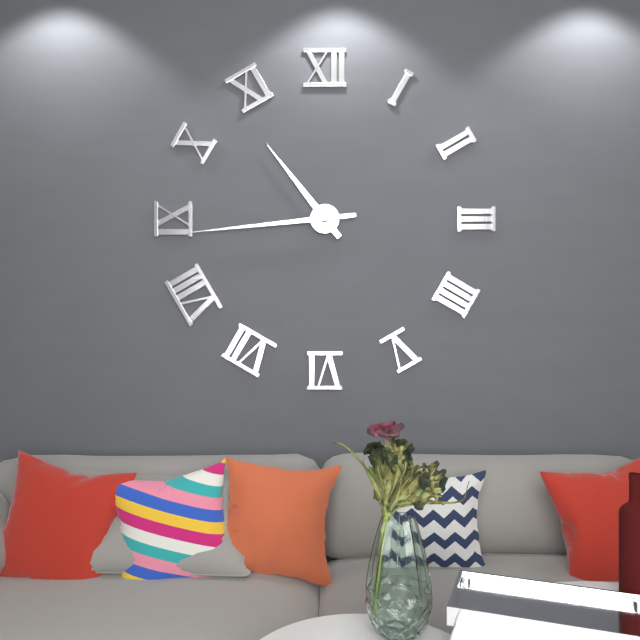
10:44
